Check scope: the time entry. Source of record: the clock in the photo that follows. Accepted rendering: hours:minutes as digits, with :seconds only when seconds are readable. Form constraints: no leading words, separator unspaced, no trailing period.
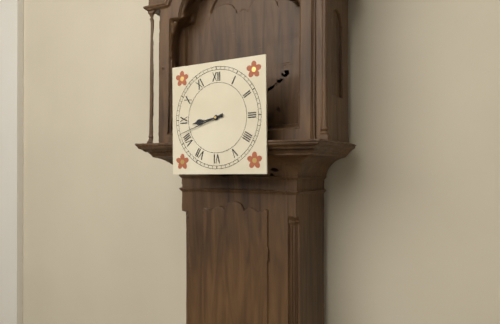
8:42
